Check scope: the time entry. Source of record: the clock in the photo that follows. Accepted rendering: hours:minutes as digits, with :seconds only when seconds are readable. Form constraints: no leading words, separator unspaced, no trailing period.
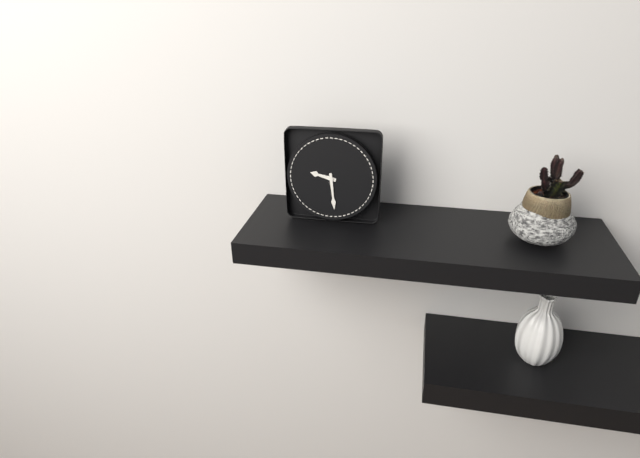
9:29
